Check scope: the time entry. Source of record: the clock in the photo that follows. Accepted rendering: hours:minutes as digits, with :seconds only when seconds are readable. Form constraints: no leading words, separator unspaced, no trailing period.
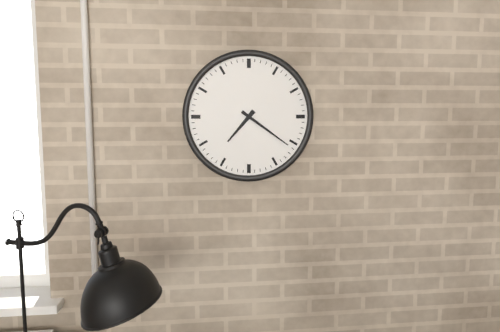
7:21
